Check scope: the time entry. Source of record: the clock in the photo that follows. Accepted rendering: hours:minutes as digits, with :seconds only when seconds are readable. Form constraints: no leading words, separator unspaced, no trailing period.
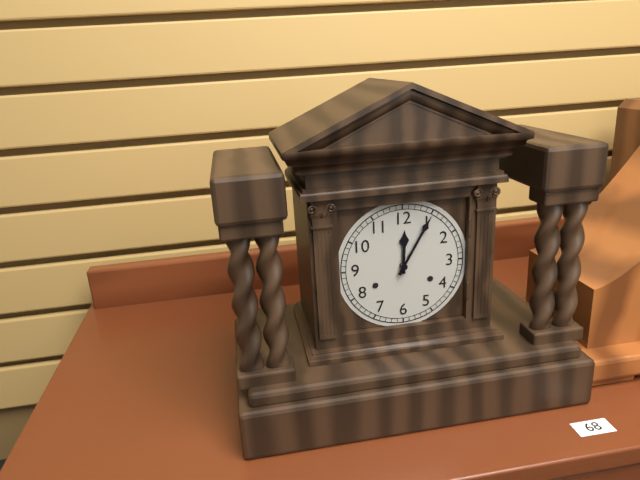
12:05
